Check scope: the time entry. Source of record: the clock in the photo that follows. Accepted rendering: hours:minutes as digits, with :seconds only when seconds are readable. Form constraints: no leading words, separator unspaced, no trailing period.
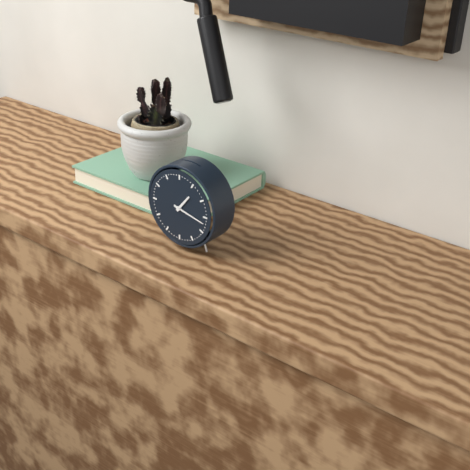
1:17
